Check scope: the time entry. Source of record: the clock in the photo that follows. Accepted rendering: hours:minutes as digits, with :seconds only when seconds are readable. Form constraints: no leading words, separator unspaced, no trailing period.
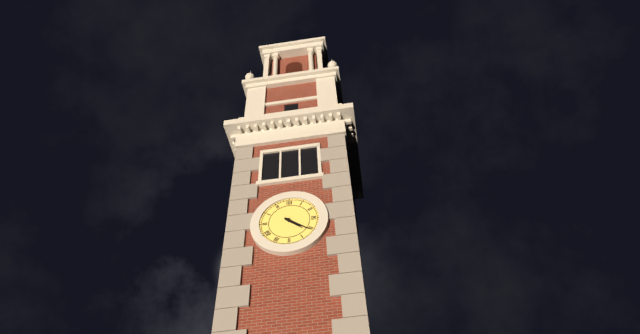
4:21
